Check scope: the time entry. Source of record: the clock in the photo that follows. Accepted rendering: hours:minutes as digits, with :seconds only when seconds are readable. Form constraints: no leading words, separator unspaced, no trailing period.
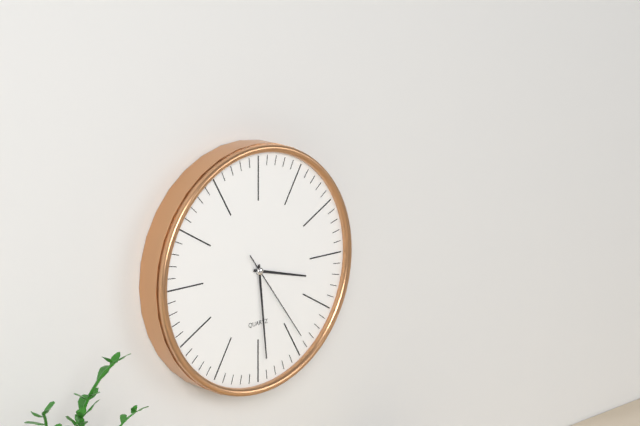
3:29:24
